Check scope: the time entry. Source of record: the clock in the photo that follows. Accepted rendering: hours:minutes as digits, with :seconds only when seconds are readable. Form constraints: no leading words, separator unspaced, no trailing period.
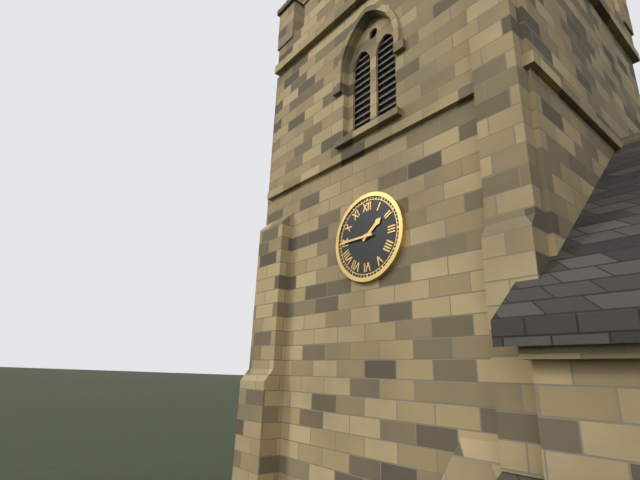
1:45
